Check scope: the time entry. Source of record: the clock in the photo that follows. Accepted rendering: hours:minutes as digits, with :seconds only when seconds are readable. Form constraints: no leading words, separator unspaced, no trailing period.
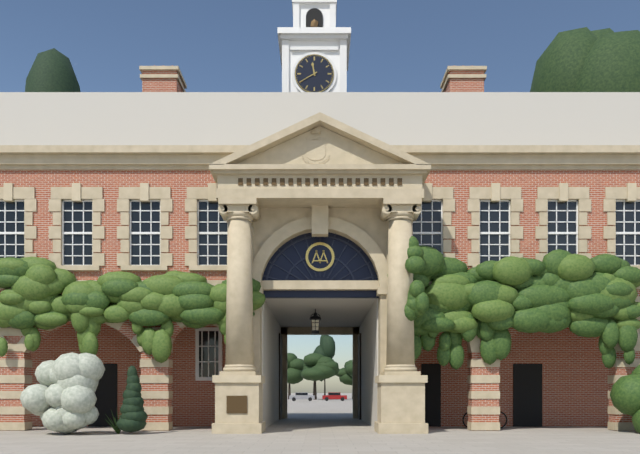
11:40
